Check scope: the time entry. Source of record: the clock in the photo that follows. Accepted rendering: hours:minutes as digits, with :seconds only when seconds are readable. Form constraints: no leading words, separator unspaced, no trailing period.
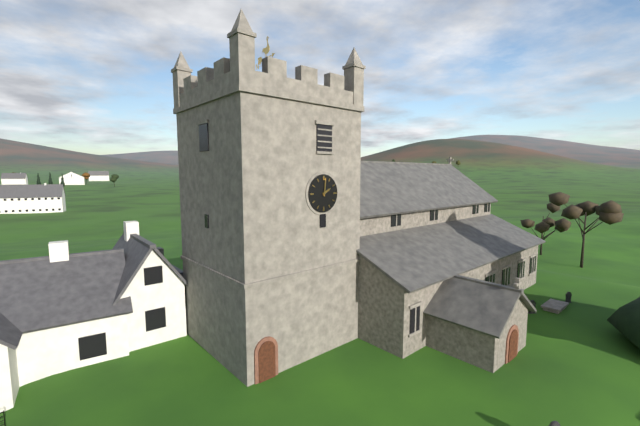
2:01
